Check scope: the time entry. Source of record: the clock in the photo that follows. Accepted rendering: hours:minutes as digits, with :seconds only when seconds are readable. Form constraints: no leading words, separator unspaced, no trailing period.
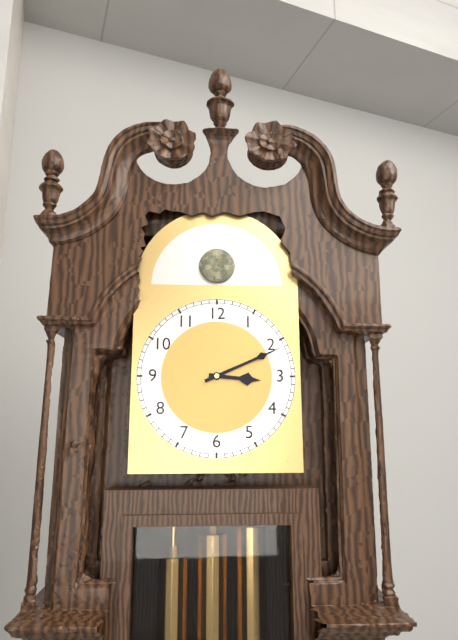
3:11
